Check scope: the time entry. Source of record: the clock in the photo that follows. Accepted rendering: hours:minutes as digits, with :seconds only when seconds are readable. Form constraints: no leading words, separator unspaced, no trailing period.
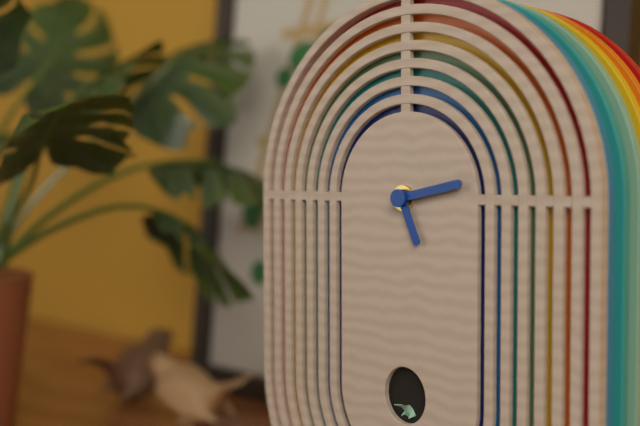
5:13
